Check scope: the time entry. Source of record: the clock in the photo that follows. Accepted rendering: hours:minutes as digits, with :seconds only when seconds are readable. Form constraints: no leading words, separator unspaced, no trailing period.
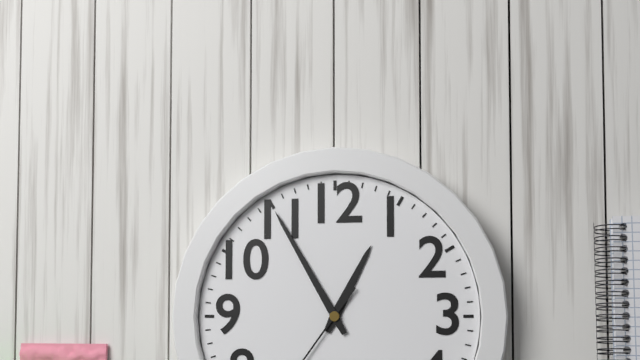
12:55
